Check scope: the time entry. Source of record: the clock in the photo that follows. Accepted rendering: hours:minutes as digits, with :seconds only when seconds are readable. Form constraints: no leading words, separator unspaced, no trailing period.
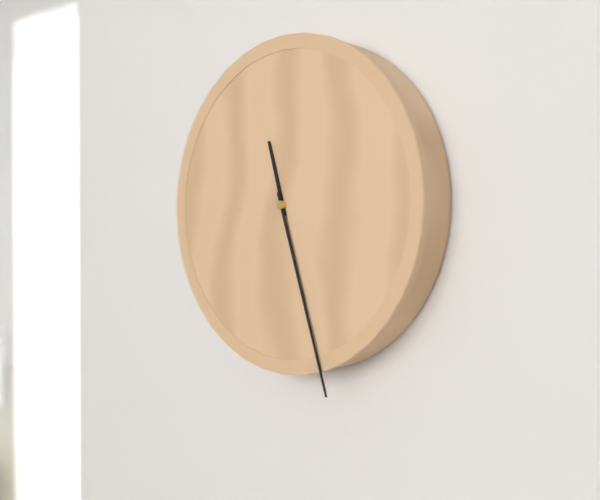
11:27
